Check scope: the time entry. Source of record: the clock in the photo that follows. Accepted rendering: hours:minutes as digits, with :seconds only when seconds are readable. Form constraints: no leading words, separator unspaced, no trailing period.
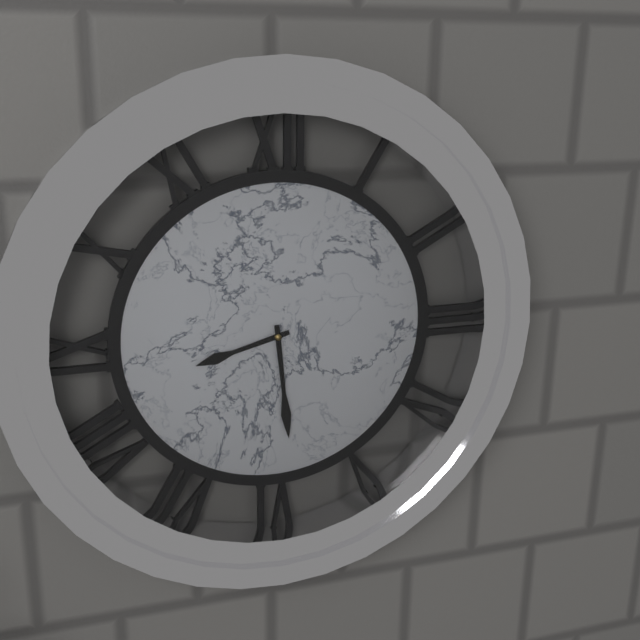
8:29
